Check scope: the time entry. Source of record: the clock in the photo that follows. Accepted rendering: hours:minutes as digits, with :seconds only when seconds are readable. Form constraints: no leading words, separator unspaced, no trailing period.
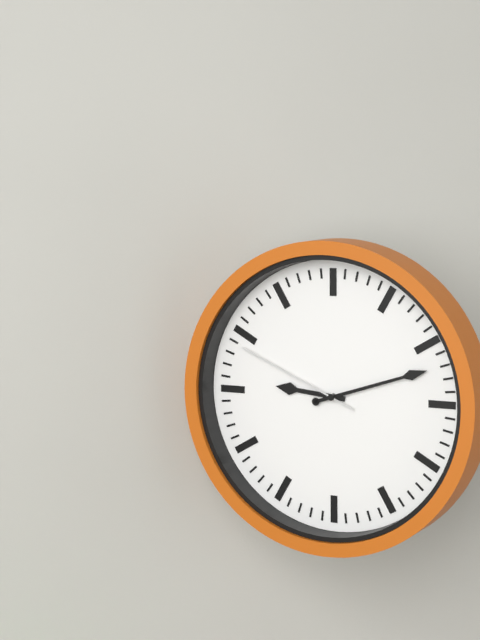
9:12:49
